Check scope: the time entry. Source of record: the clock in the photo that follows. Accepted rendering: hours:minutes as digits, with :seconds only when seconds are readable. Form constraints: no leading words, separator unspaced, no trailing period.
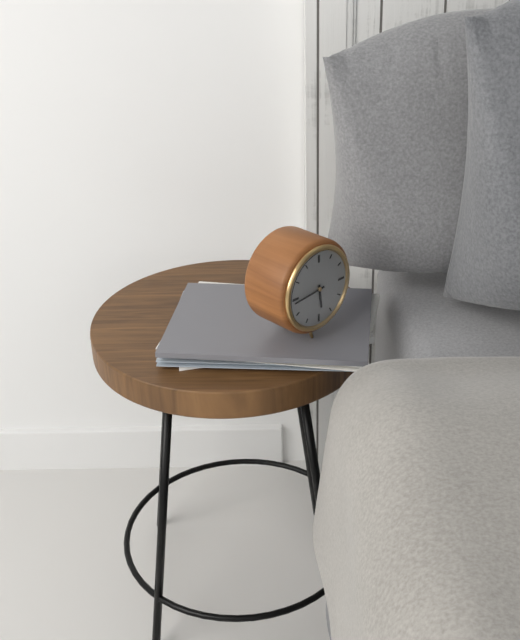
5:44
